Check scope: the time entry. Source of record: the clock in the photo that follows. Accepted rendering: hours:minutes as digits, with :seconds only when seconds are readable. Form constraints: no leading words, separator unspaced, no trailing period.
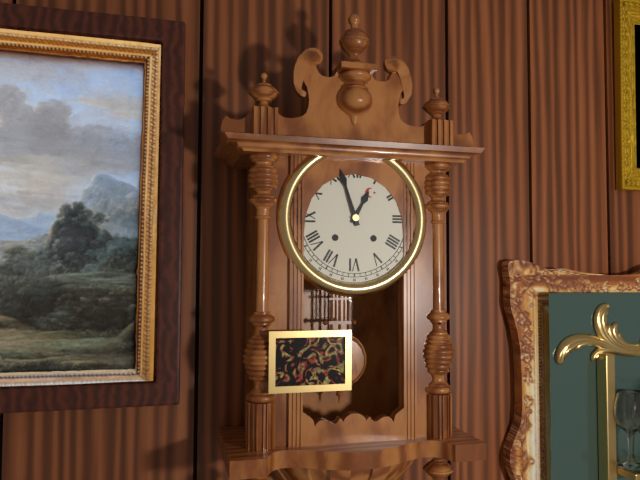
12:57
